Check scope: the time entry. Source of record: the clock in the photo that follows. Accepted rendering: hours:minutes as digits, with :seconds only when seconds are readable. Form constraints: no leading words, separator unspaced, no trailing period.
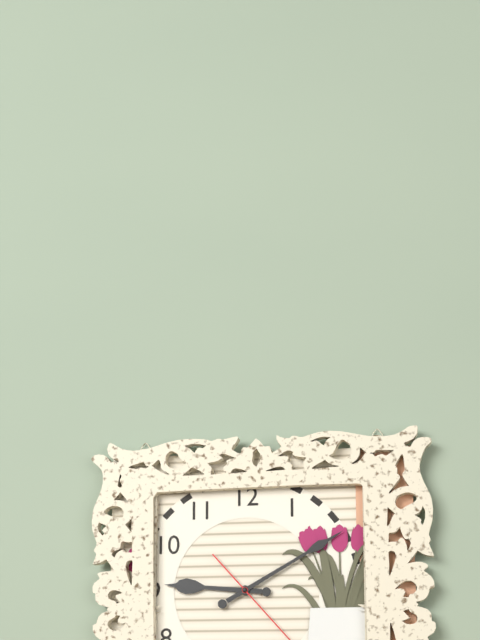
9:10
